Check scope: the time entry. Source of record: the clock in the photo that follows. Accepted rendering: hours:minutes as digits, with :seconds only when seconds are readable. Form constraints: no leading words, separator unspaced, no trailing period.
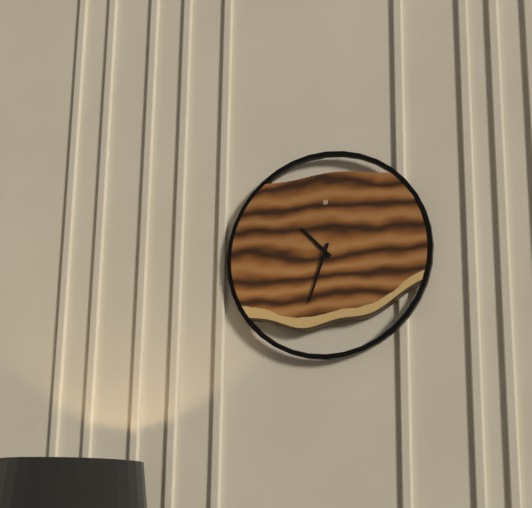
10:33
